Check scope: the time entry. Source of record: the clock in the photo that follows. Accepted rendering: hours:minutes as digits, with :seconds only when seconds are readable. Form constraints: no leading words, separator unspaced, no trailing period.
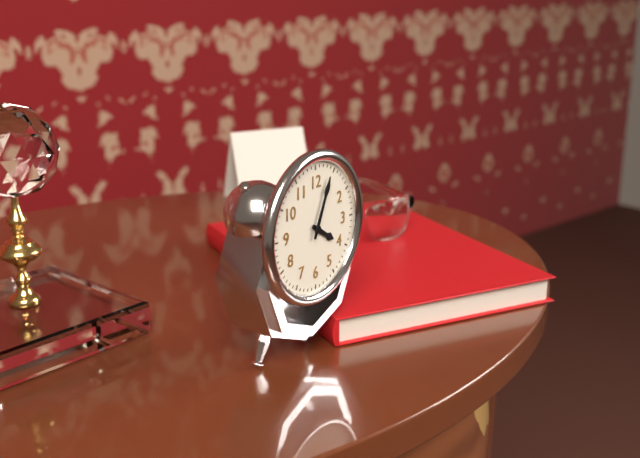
4:04
